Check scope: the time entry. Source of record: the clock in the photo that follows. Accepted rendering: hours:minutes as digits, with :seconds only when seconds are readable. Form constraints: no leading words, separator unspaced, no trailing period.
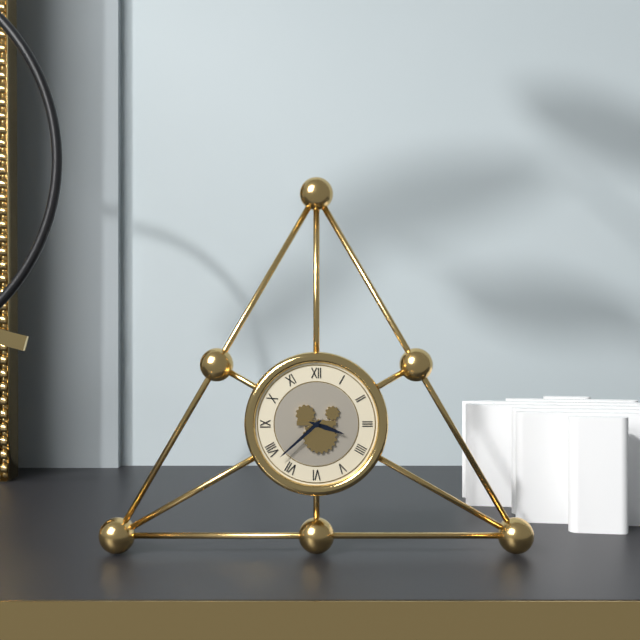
3:38
